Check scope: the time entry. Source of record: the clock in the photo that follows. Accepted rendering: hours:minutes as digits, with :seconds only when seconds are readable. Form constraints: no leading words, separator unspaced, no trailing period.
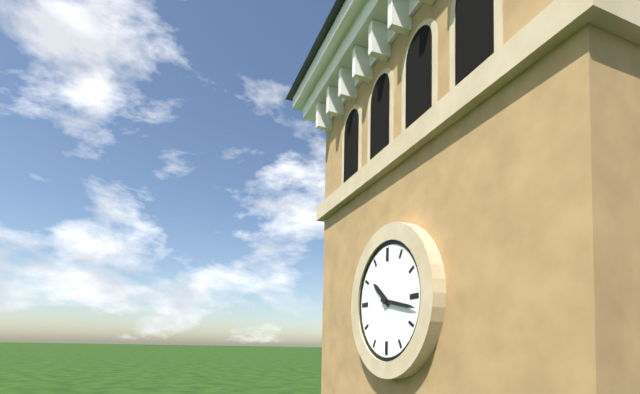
10:17
